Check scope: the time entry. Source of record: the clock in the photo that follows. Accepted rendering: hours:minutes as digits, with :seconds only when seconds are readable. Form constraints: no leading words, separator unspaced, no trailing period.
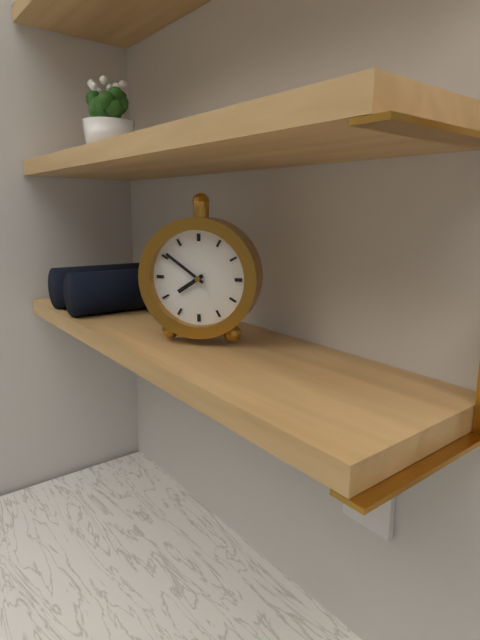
7:51
